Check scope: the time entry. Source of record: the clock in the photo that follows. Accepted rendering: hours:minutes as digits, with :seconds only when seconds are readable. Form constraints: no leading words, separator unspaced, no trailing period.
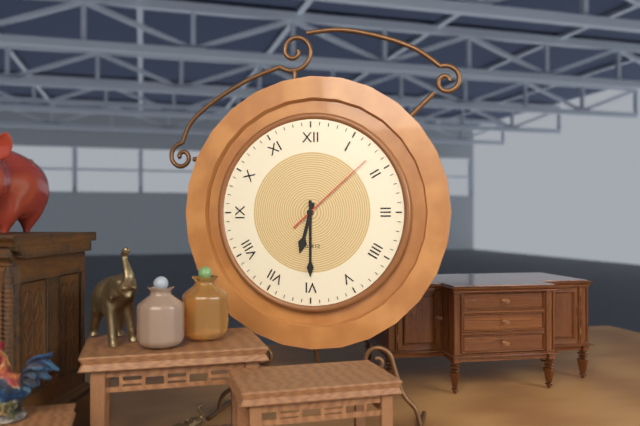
6:30:08
